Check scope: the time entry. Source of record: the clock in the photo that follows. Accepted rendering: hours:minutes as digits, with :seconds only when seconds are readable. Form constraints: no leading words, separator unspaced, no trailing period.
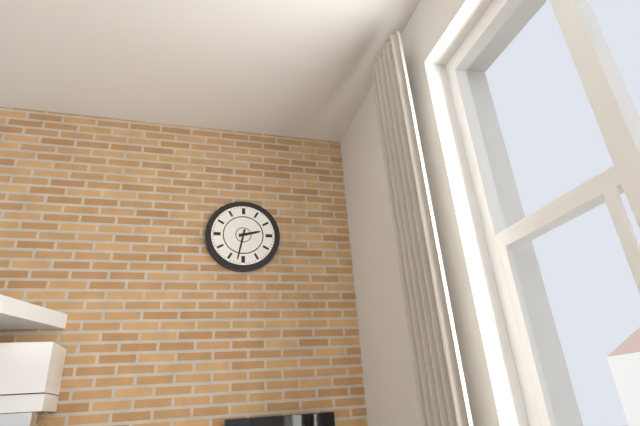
2:32
